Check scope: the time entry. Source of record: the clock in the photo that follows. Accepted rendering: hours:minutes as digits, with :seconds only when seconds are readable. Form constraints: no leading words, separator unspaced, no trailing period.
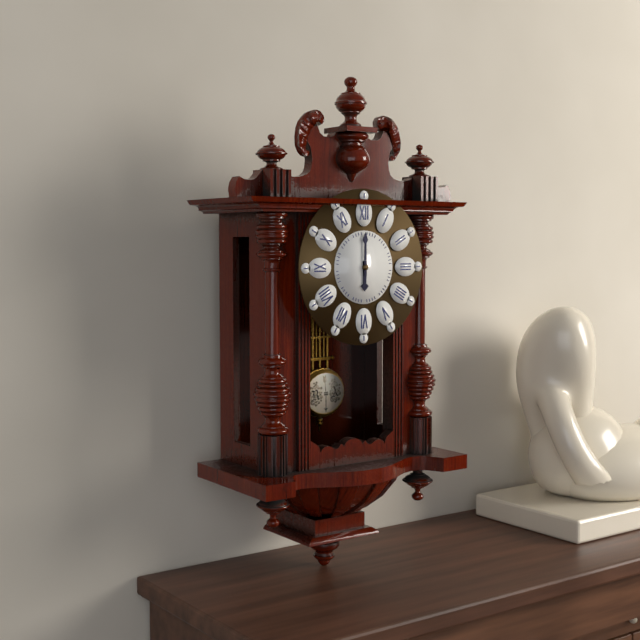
6:00
